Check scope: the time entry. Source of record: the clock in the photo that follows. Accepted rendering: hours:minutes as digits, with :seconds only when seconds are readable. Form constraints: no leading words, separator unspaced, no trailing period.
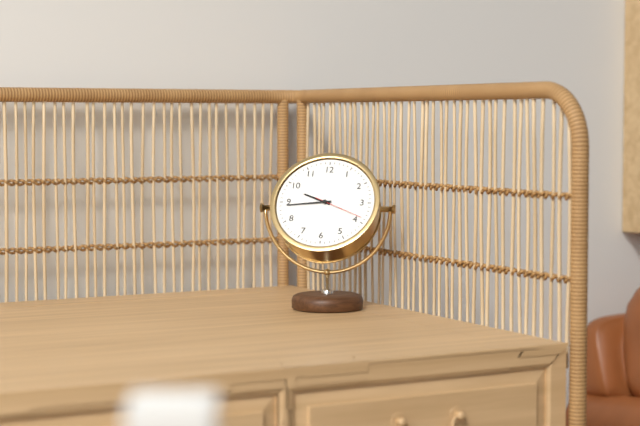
9:44:19
